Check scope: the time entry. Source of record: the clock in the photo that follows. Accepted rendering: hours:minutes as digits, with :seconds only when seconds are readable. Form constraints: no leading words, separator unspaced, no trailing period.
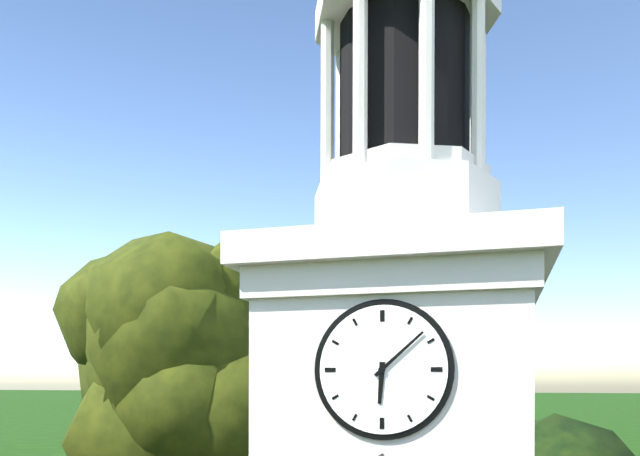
6:08
